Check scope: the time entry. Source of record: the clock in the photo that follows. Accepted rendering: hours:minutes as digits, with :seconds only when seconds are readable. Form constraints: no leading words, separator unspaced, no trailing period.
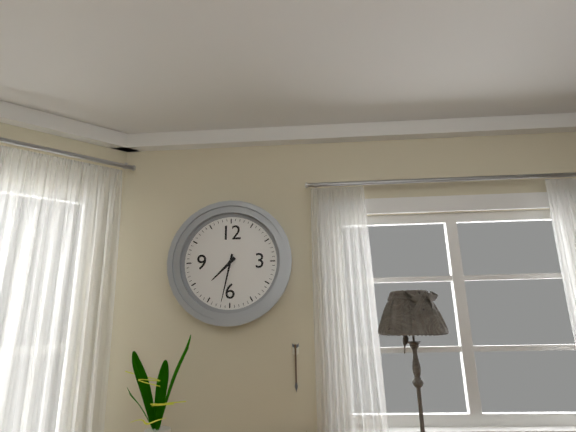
7:32
